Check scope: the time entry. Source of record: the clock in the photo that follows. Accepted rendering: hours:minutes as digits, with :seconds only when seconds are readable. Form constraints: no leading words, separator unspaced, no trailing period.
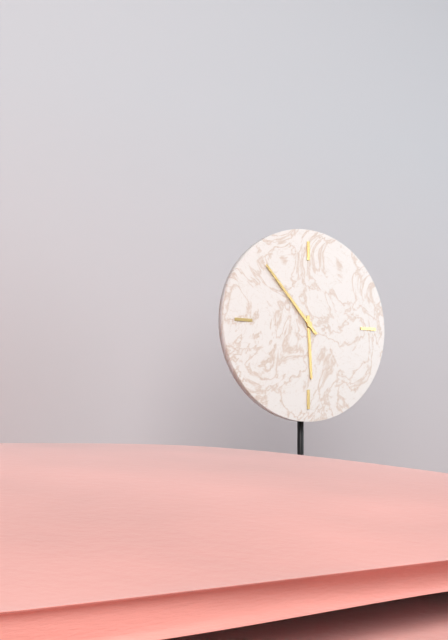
5:53
